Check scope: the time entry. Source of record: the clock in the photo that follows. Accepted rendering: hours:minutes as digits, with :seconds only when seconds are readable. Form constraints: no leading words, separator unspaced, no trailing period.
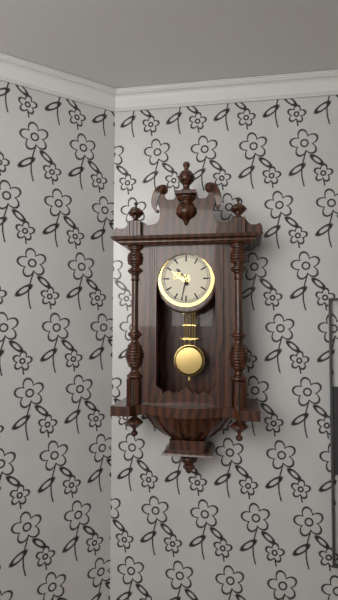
10:32
